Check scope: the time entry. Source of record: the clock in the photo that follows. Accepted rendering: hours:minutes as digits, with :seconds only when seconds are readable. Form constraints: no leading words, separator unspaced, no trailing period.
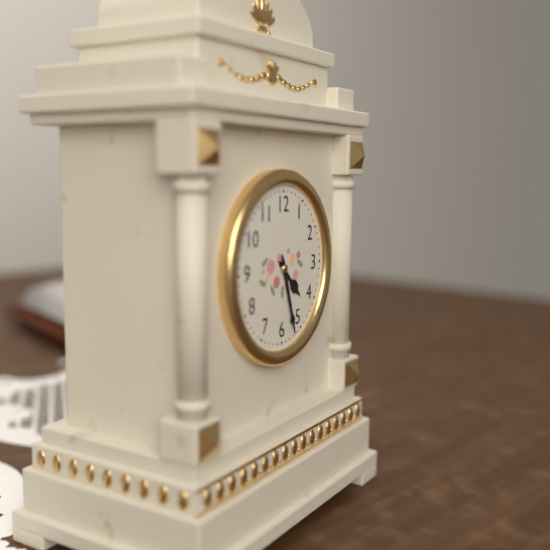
4:27
